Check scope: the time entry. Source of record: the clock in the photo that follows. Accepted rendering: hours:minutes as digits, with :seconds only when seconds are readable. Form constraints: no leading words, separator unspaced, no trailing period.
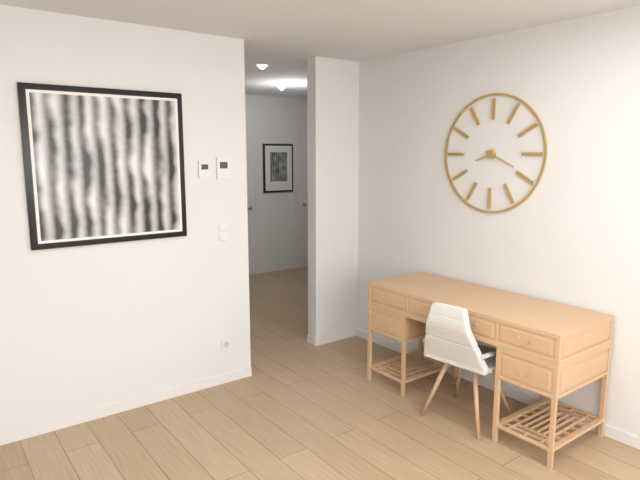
8:19
